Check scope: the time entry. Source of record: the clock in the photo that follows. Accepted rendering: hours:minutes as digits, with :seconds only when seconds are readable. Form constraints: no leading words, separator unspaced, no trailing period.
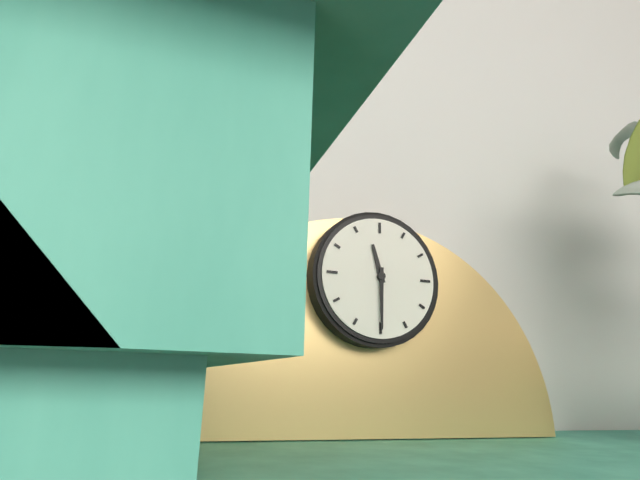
11:30
